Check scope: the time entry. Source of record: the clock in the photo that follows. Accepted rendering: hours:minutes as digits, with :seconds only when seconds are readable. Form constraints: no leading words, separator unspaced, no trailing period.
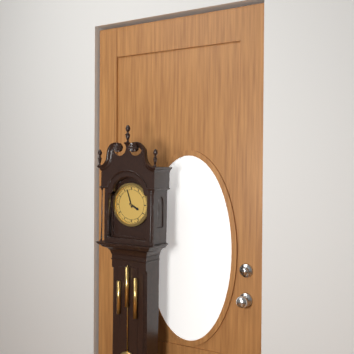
3:57
